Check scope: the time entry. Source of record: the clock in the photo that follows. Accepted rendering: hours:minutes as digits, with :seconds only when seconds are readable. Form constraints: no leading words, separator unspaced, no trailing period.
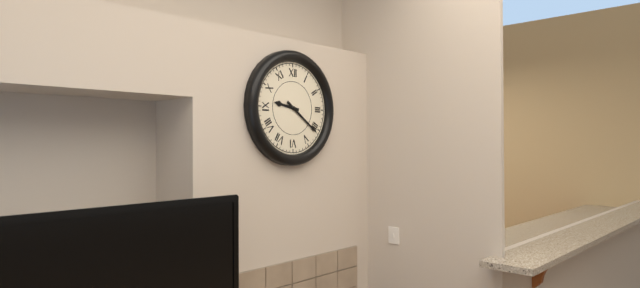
9:21
